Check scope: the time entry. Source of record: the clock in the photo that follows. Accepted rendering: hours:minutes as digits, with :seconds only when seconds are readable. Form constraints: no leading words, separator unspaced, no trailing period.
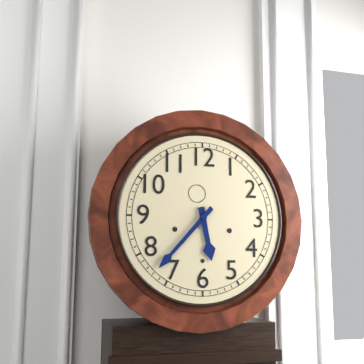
5:37
